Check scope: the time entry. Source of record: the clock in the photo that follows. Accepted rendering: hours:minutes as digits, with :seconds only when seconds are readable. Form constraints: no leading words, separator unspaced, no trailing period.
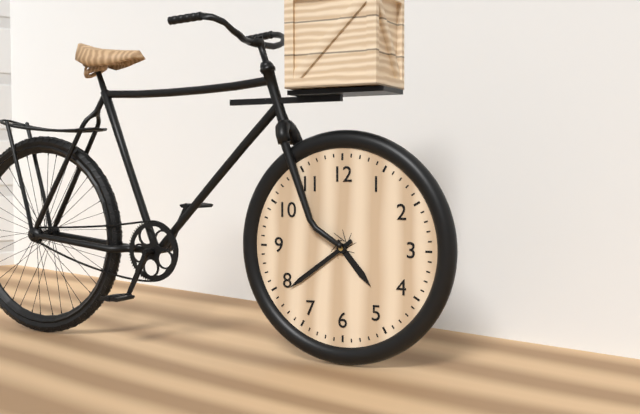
4:39
